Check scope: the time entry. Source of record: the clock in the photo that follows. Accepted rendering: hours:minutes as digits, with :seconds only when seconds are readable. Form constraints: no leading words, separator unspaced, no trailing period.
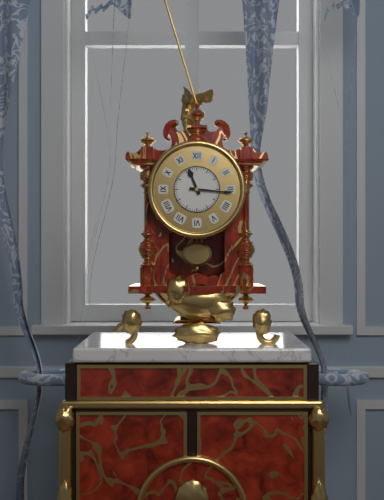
11:16
